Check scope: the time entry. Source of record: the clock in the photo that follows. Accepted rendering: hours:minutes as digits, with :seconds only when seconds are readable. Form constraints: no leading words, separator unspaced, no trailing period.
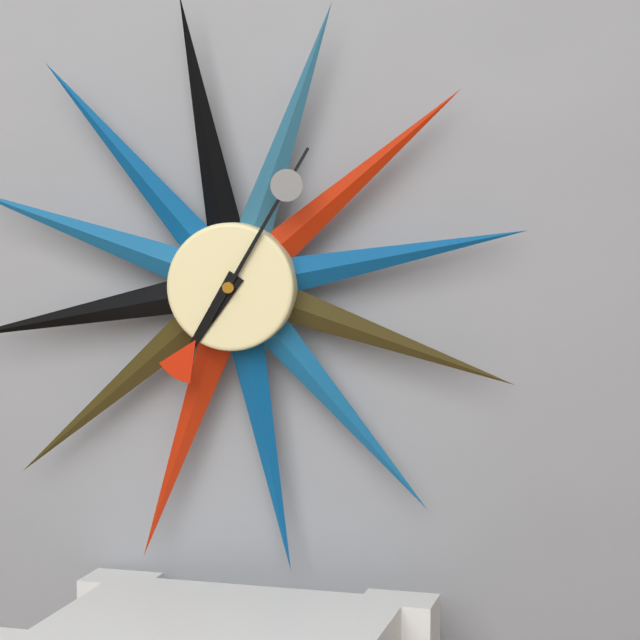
7:05
